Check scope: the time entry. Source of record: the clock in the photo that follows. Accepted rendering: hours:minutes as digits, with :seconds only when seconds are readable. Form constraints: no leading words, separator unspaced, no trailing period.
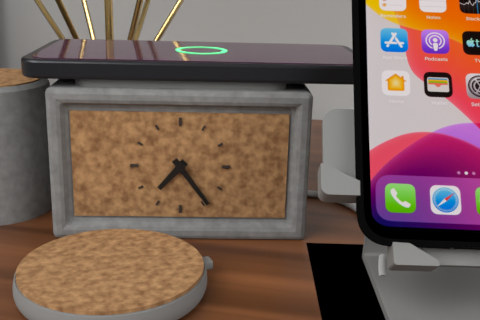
7:24
